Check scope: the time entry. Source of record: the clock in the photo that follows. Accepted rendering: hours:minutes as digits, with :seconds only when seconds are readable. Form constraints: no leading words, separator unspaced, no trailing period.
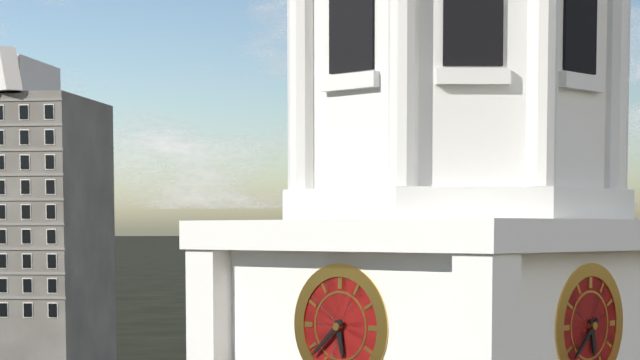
5:38
